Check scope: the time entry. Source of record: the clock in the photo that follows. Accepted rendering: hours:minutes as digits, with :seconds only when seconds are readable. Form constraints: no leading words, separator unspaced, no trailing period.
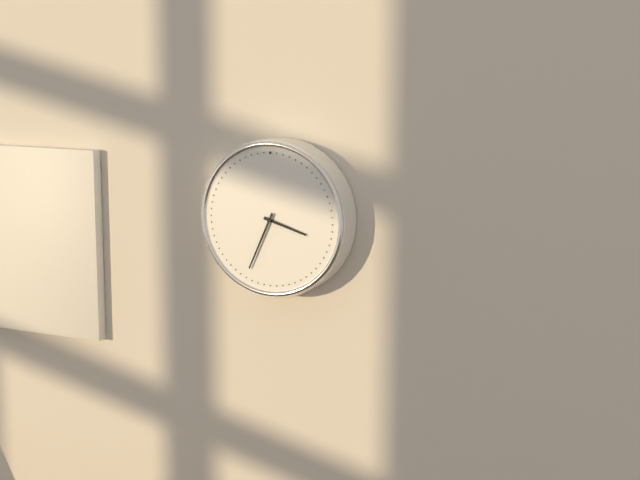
3:34
